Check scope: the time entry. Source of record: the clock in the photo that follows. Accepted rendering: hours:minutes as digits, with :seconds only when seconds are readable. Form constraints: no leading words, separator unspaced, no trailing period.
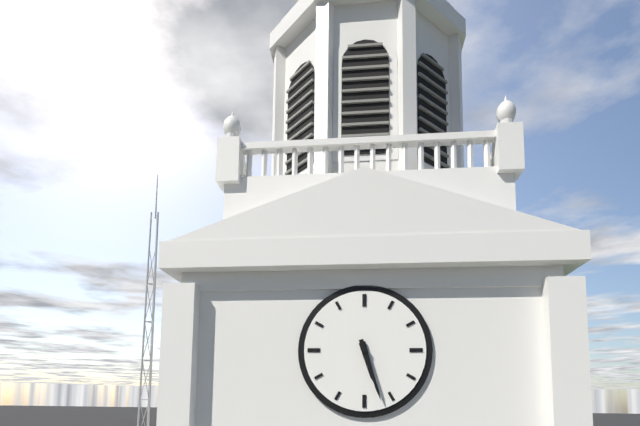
5:27
